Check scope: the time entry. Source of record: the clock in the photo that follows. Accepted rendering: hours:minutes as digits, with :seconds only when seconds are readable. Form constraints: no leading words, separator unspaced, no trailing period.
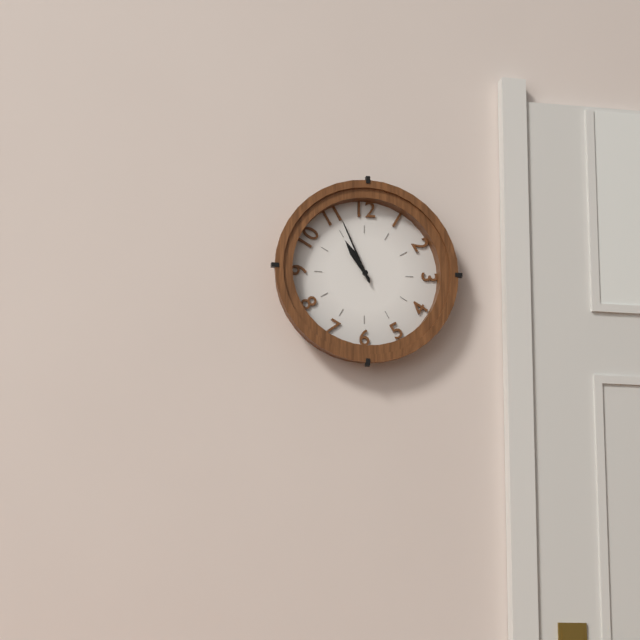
10:56
